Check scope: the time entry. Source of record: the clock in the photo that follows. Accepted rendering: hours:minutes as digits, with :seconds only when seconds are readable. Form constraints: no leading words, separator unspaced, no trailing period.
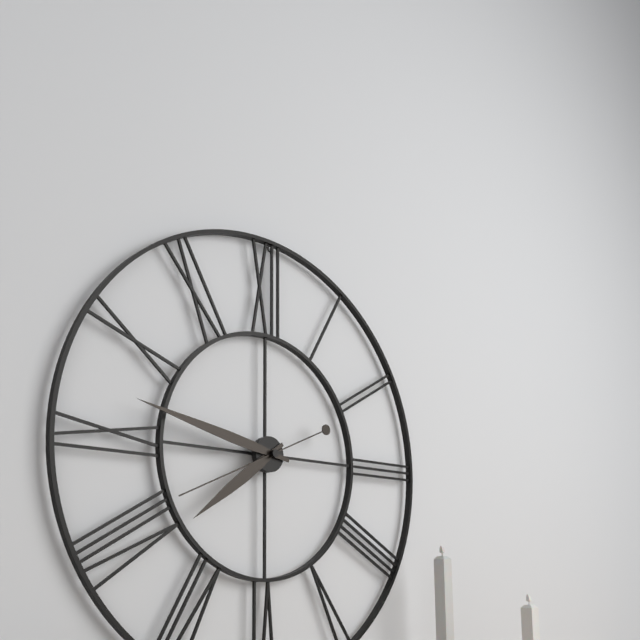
7:47:41
